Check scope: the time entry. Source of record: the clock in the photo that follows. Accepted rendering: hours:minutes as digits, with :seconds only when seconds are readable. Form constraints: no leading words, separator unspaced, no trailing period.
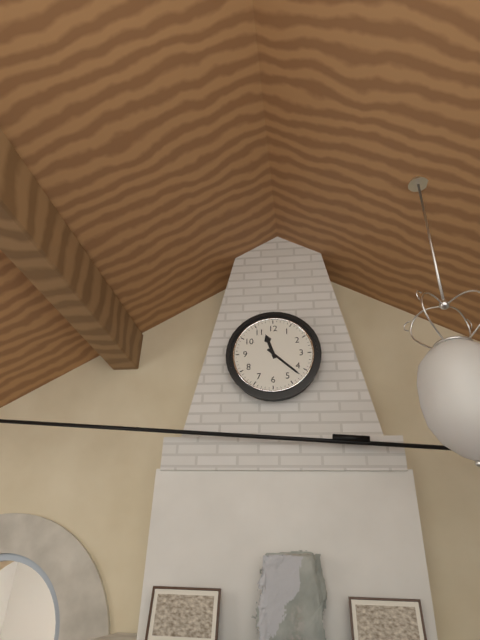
11:22
